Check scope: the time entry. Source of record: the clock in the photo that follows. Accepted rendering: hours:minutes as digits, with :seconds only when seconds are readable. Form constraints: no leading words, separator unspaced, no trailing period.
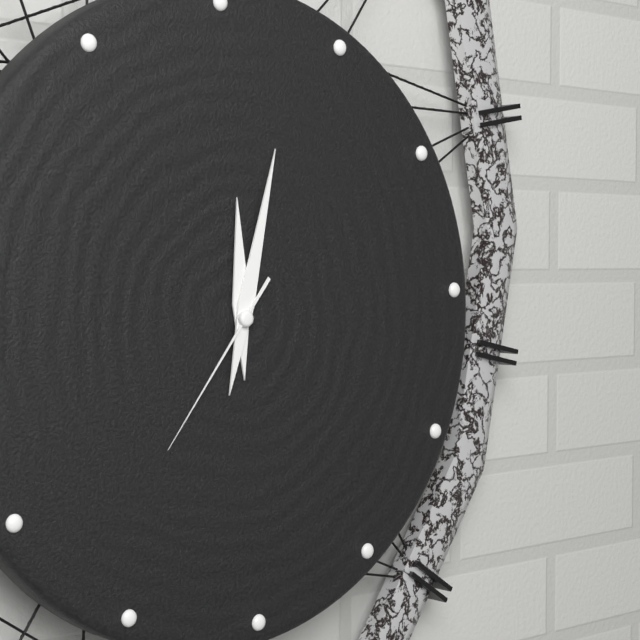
12:03:37
